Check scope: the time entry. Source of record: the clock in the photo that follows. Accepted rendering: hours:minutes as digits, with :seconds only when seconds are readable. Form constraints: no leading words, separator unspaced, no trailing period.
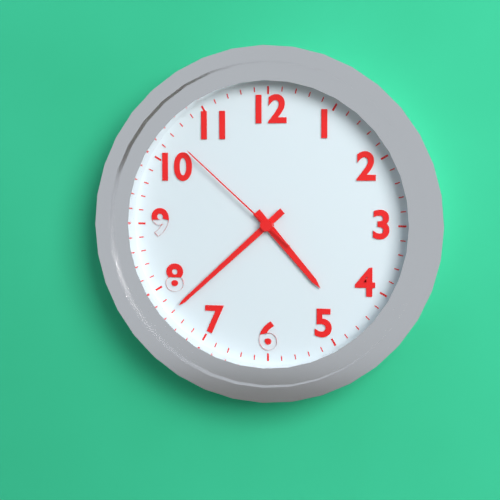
4:38:52
